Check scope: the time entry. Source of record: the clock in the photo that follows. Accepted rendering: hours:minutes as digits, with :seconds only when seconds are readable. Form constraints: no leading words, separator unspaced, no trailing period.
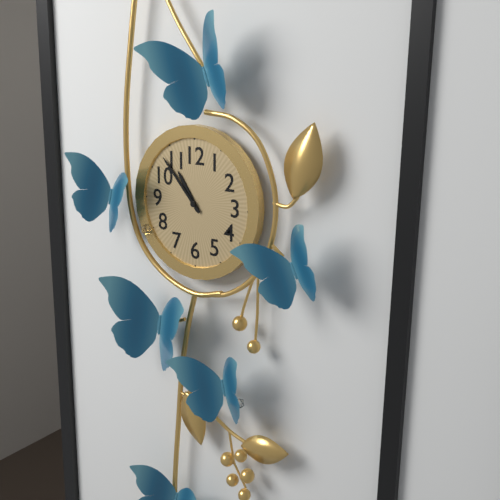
10:53
